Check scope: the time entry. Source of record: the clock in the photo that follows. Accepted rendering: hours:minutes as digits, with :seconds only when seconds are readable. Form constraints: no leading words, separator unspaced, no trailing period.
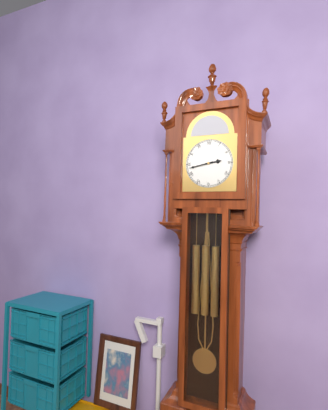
2:43
